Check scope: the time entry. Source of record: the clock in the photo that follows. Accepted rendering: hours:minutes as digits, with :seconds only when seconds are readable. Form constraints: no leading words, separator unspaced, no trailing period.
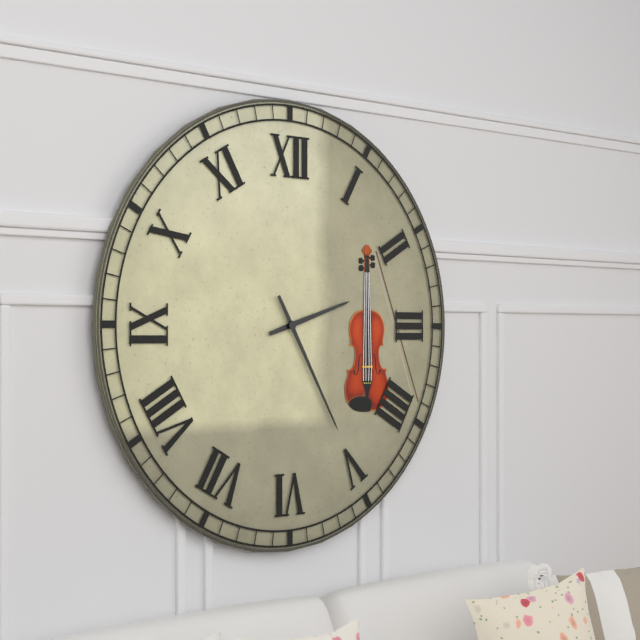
2:25
